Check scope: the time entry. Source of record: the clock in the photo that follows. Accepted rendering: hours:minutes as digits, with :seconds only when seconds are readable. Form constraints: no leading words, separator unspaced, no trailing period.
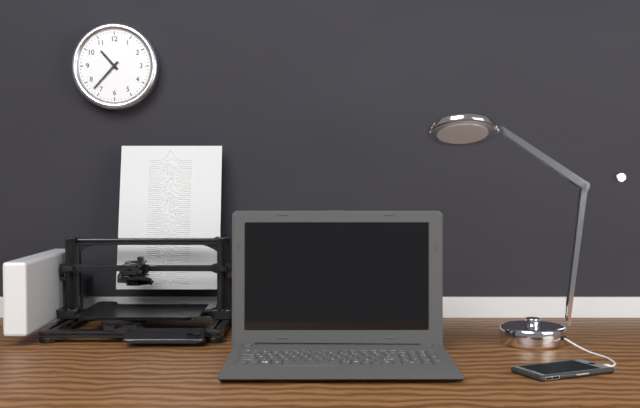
10:37
